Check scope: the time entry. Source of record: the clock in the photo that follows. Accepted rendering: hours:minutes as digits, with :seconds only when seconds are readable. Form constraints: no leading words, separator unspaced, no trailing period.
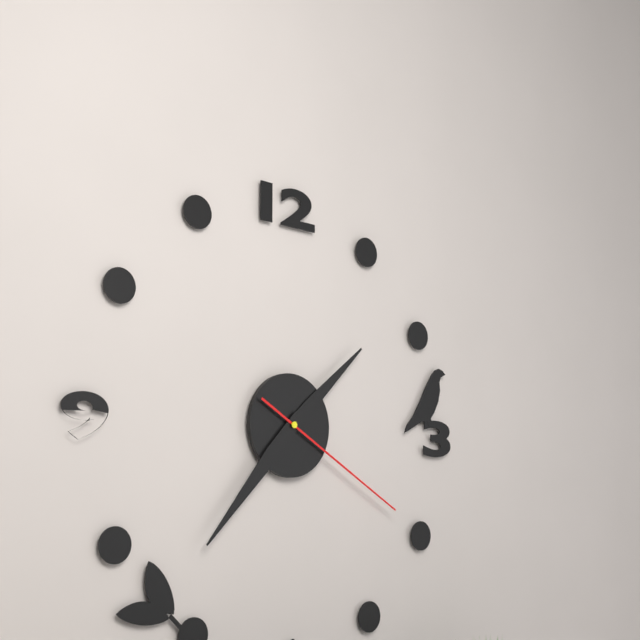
1:37:20
